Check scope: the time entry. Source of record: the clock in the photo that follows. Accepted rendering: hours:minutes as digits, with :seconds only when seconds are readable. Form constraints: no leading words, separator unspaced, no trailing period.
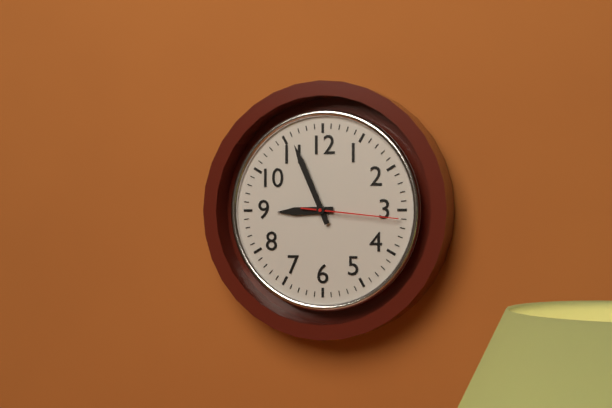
8:56:16
